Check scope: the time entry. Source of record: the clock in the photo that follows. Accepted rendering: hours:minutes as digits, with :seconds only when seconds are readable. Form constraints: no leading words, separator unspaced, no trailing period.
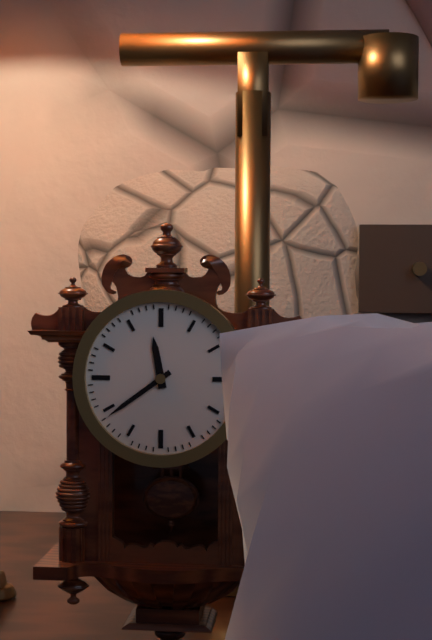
11:39
